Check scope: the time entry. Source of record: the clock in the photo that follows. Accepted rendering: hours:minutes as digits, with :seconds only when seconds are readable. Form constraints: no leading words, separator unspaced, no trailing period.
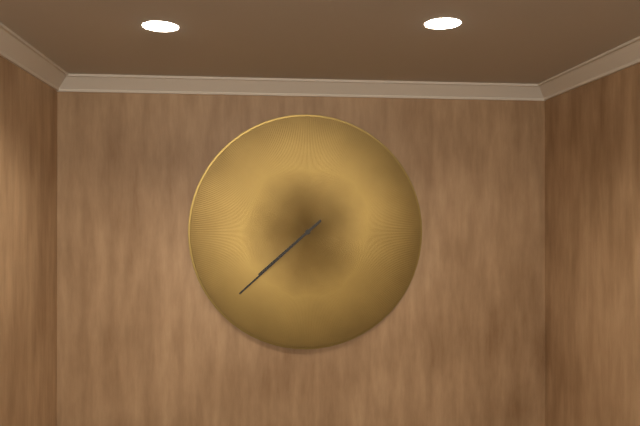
7:38
